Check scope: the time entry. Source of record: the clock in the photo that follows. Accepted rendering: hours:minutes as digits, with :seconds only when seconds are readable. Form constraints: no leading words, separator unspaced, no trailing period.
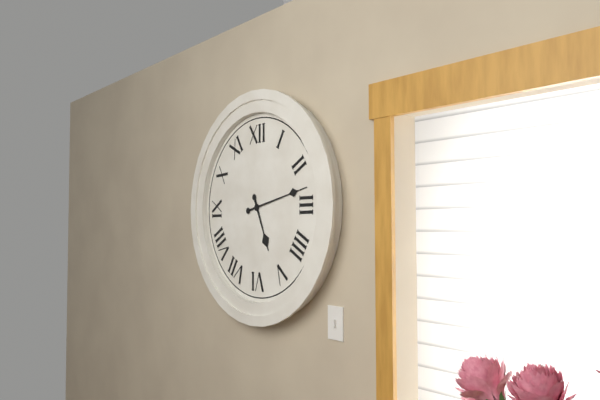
5:13
